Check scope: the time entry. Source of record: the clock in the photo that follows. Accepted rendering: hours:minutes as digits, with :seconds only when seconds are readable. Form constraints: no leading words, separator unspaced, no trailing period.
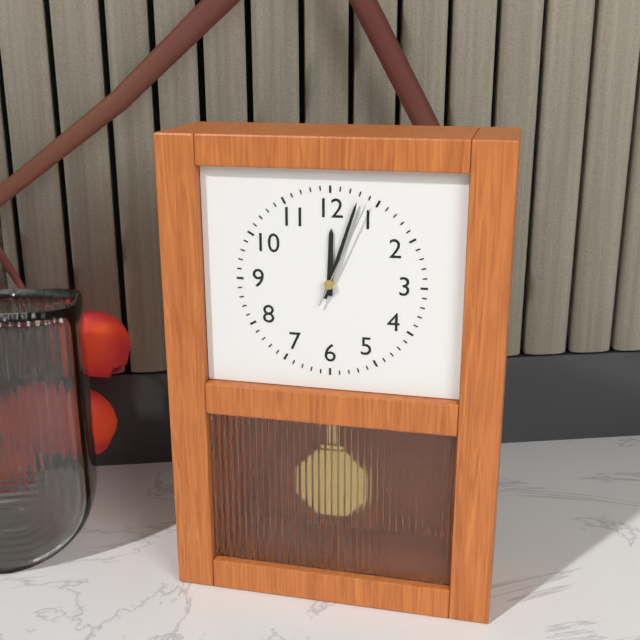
12:03:04
